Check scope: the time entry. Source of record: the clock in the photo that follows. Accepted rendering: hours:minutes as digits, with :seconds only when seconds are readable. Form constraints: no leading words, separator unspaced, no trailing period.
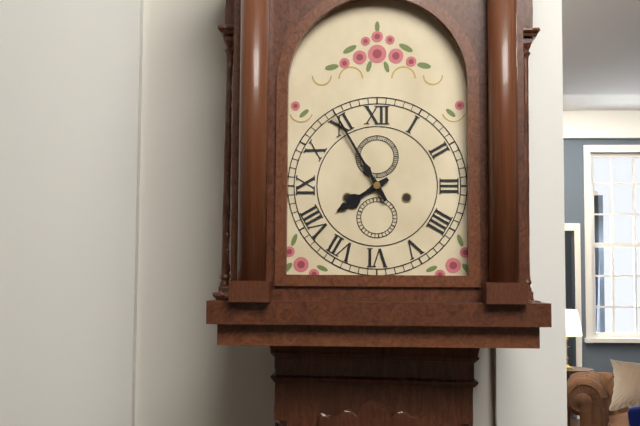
7:55
